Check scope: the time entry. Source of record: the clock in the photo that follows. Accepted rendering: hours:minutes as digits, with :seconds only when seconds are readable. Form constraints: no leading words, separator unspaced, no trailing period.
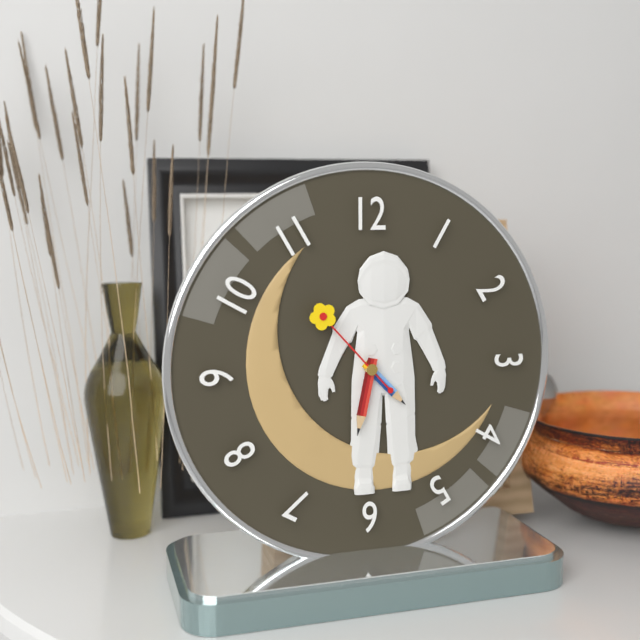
4:32:53
